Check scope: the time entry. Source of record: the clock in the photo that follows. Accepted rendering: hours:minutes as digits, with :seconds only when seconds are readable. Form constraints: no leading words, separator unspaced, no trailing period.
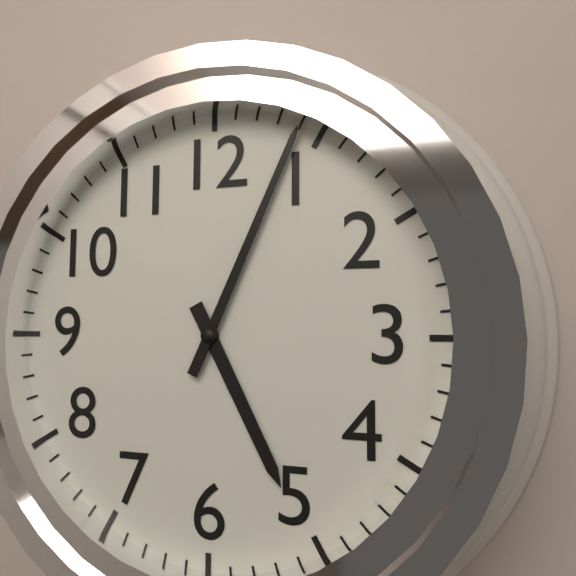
5:04
